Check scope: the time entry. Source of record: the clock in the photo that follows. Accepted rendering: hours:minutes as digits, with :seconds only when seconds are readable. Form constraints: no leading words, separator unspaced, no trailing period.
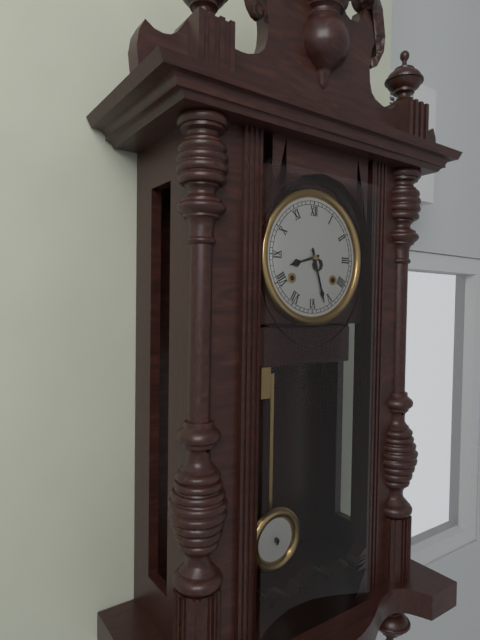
8:27
